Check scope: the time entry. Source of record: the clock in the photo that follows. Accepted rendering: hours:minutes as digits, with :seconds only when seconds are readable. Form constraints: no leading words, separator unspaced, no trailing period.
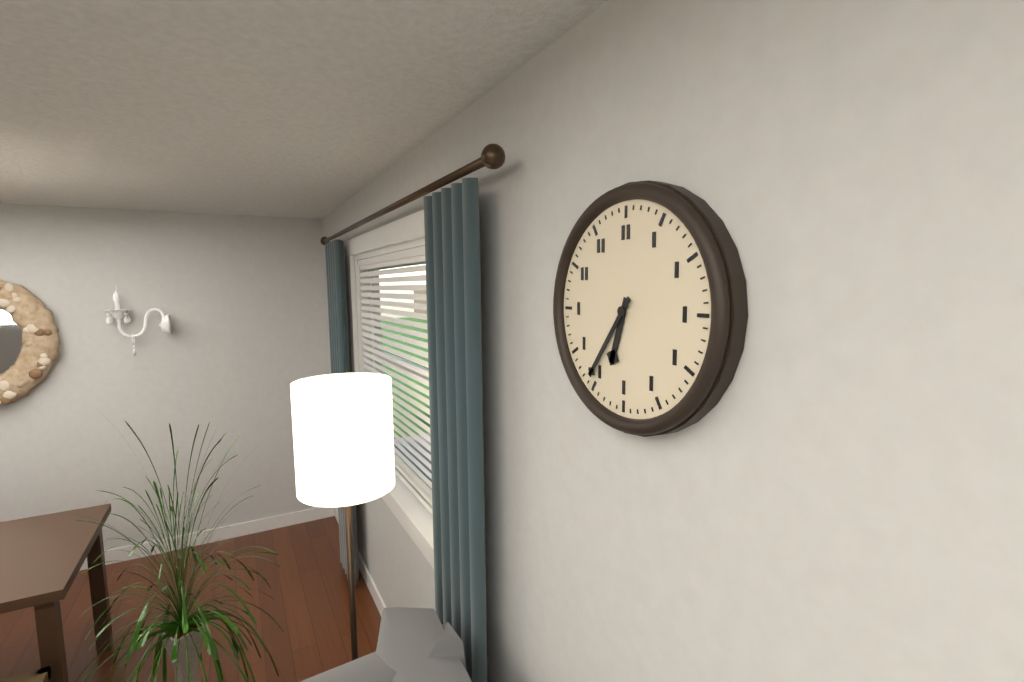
6:36
